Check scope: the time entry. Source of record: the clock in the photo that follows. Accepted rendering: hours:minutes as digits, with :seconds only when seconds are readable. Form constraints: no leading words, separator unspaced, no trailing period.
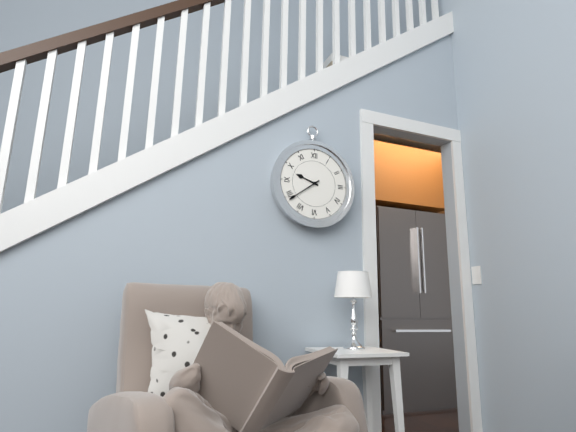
9:39
